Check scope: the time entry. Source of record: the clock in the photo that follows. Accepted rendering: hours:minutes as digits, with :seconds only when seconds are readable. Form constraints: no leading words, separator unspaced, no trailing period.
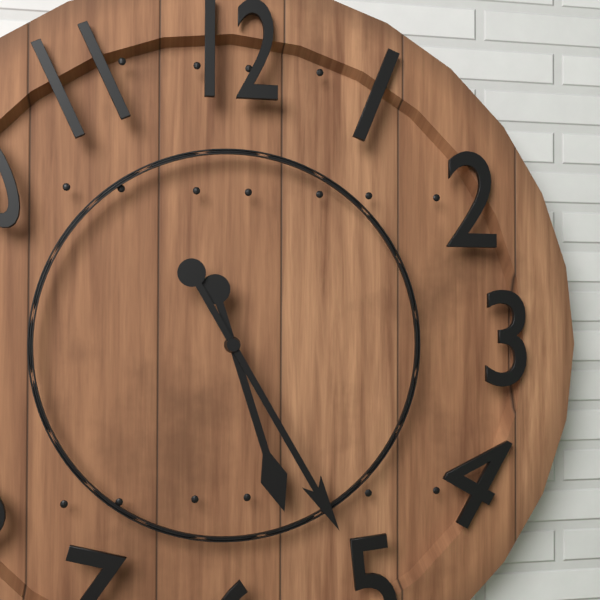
5:25
